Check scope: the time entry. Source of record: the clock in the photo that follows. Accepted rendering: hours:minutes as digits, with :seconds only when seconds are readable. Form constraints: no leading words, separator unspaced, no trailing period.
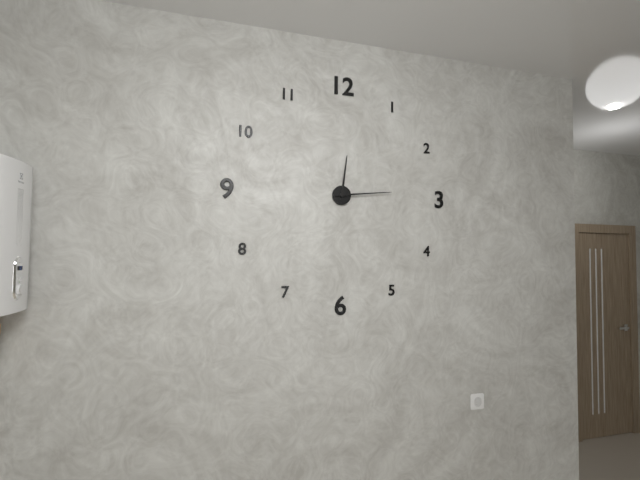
12:14
